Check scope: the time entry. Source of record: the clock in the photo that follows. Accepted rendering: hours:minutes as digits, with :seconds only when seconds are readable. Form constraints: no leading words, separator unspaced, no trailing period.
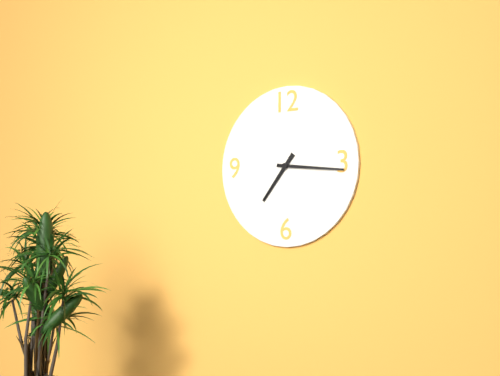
7:16
